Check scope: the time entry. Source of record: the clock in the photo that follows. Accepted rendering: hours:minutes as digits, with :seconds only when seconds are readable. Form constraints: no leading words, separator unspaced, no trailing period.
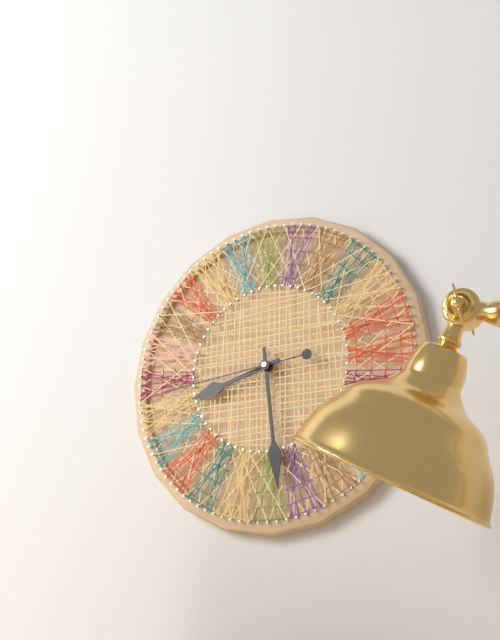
8:29:44
